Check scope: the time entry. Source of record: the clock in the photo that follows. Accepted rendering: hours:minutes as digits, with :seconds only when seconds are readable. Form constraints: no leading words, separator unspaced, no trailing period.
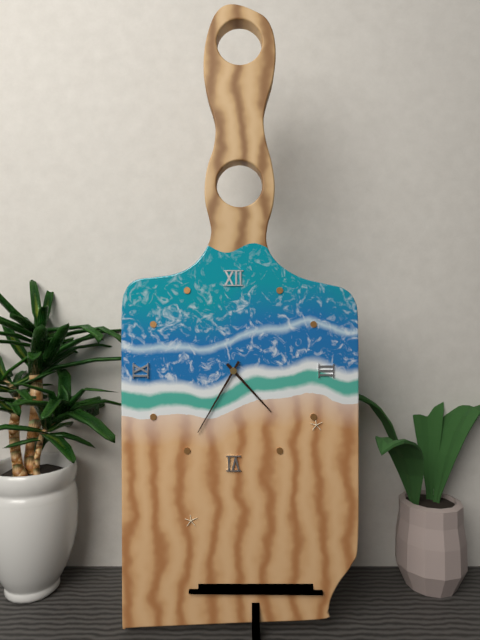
4:35
